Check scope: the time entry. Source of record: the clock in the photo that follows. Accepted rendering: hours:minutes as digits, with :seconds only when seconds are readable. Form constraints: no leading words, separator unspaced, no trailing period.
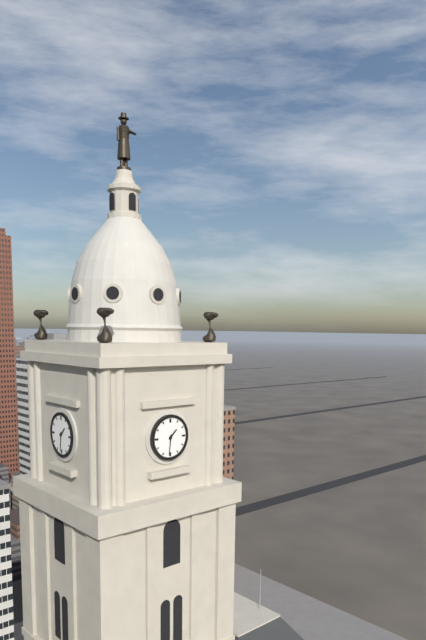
1:31
